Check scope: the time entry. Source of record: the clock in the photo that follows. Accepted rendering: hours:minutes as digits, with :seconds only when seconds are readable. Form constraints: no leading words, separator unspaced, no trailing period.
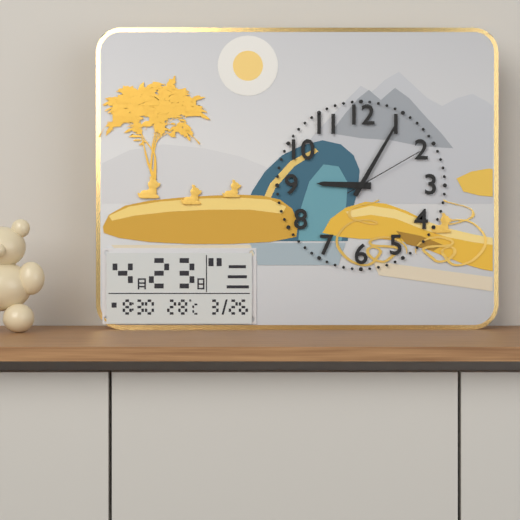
9:05:10
